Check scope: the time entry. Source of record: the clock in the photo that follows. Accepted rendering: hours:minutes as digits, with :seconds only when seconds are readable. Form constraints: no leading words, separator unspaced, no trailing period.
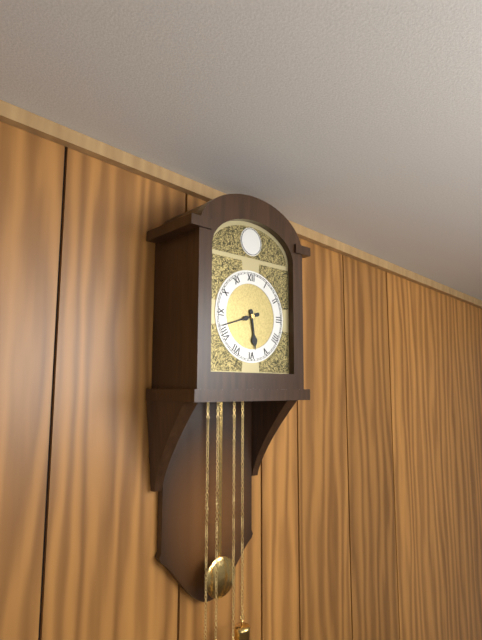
5:42
